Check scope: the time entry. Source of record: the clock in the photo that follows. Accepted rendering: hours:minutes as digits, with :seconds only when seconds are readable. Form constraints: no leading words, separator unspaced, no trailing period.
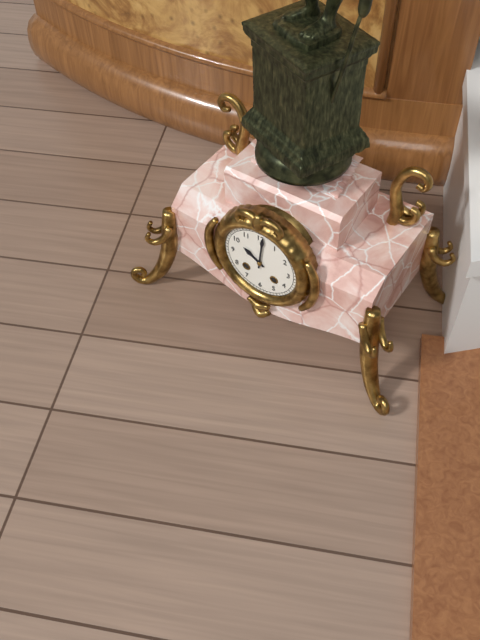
10:01
